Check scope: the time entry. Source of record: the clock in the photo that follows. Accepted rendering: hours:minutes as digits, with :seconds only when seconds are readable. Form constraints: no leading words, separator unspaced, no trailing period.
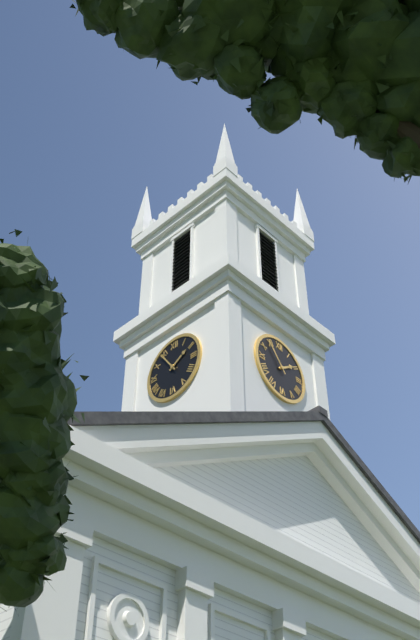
1:54
